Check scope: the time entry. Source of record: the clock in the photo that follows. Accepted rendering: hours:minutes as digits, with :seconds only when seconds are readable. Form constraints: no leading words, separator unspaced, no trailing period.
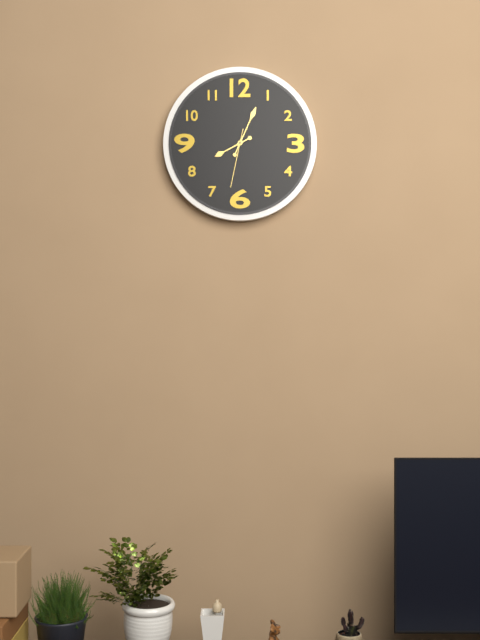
8:04:32
